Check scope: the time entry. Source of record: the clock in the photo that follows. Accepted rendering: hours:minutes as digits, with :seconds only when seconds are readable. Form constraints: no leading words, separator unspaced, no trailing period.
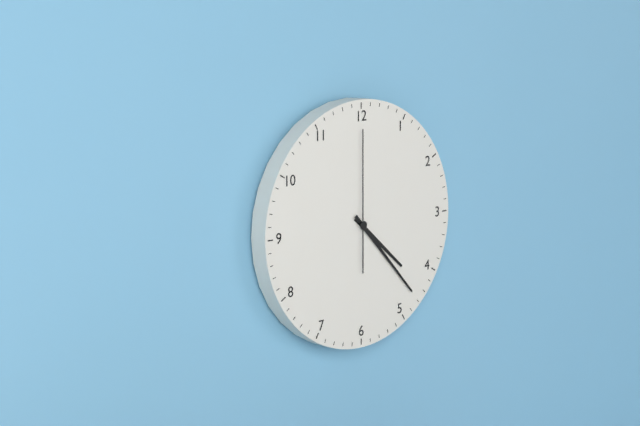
4:23:00
